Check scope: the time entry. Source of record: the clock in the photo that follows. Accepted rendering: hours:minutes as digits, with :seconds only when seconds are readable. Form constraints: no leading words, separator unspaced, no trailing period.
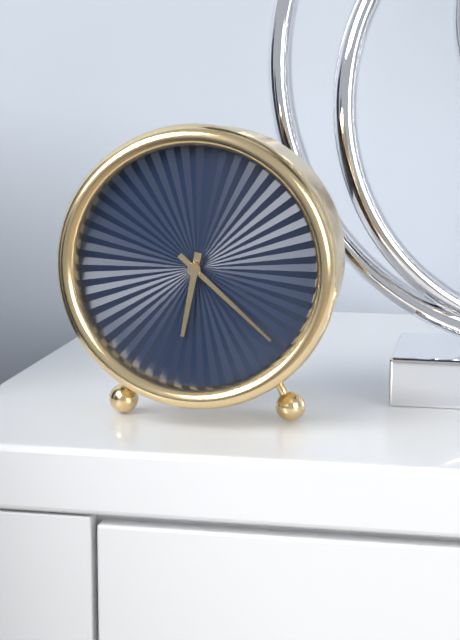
6:22
